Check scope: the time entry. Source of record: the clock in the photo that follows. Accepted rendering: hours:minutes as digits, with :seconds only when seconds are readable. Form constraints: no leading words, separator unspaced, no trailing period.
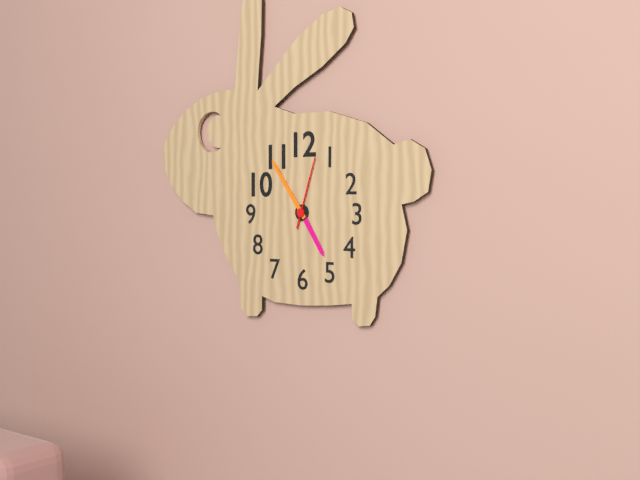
4:54:03
